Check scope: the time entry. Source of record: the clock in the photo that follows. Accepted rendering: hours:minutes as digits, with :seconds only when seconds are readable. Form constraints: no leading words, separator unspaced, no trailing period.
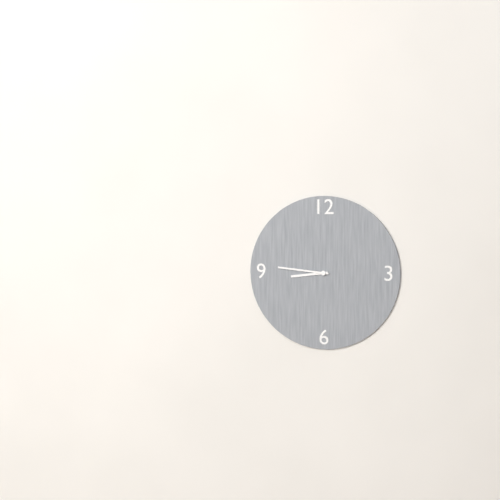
8:46
